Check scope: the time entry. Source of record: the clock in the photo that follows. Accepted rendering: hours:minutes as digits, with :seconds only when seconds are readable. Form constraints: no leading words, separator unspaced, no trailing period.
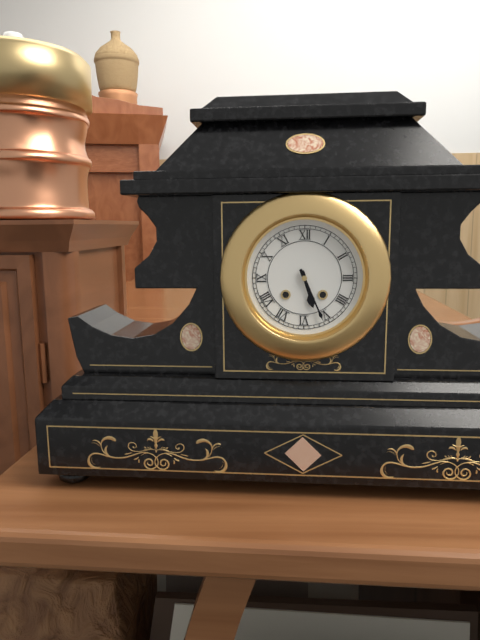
5:26
